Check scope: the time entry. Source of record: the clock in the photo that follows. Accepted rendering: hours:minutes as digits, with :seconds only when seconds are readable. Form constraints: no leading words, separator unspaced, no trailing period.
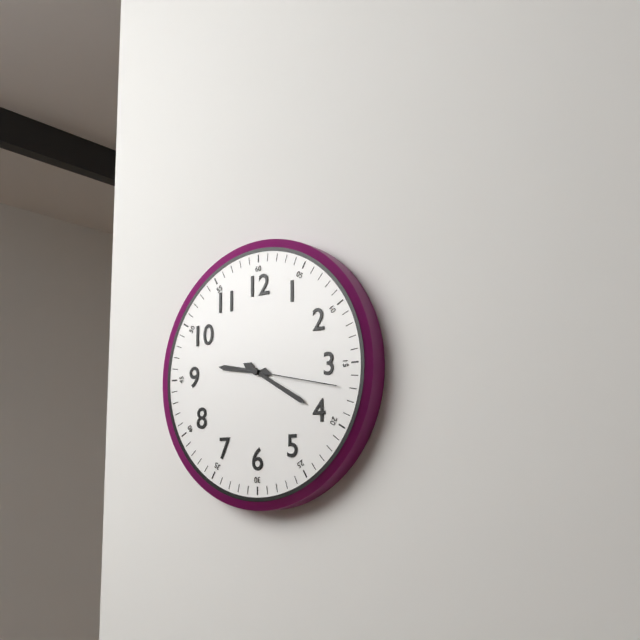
9:20:17
